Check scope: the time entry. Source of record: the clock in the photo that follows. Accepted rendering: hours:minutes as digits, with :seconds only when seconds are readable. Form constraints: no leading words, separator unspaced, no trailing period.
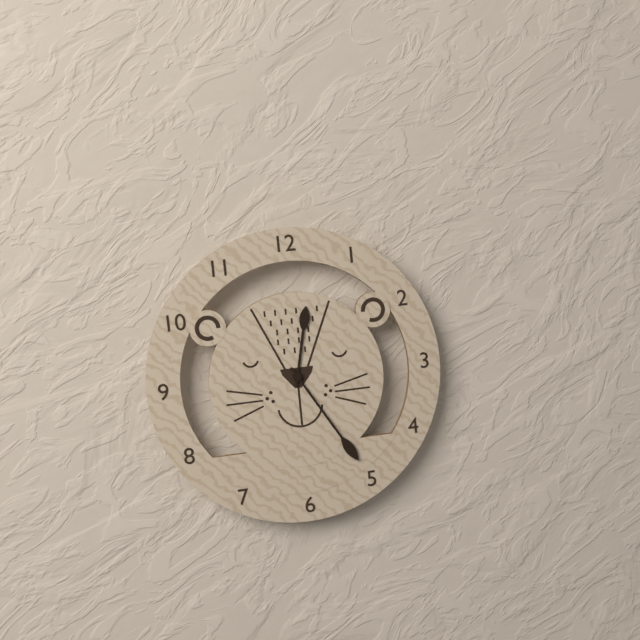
12:25
